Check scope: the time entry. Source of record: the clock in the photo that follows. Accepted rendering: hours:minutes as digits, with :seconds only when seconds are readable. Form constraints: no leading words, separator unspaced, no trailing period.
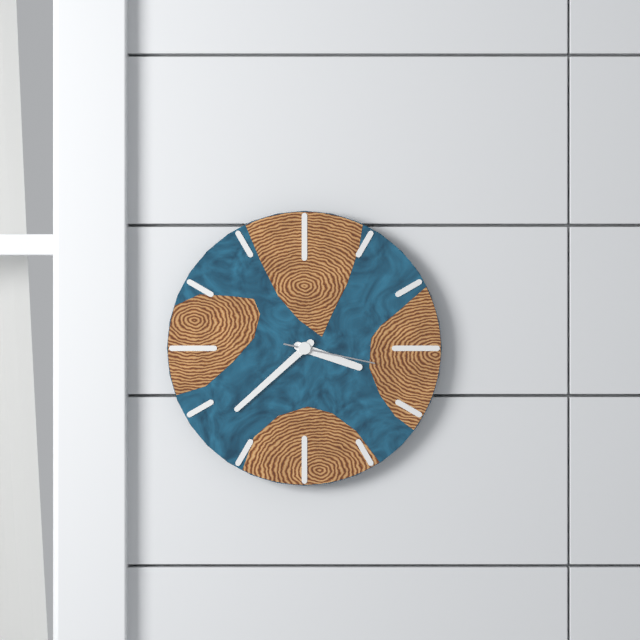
3:38:17
